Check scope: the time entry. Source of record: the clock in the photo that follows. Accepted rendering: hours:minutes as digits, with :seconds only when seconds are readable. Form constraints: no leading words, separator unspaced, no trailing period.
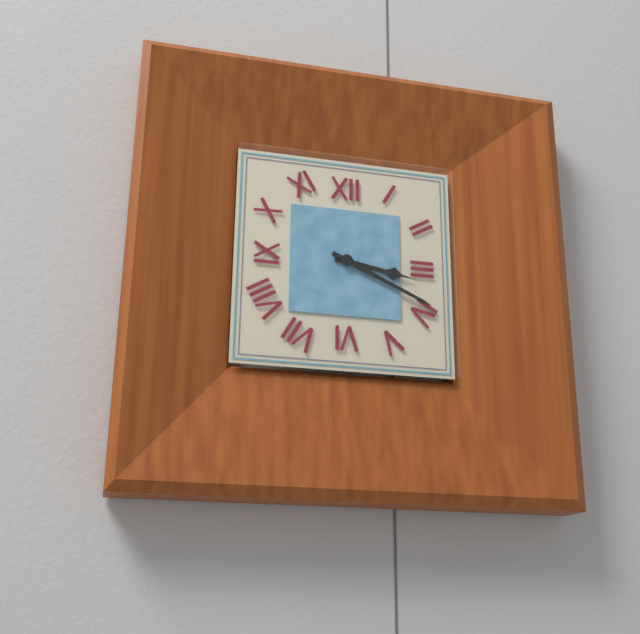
3:19
